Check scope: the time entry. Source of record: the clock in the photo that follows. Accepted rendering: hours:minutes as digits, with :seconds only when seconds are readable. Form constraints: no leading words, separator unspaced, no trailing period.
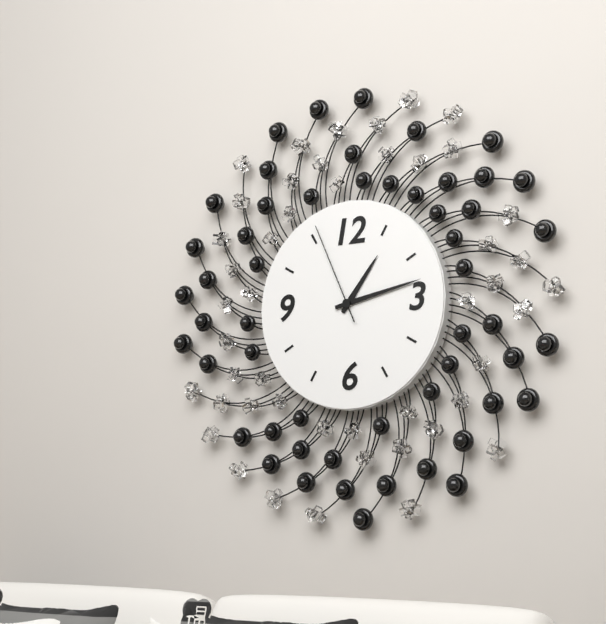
1:13:56
